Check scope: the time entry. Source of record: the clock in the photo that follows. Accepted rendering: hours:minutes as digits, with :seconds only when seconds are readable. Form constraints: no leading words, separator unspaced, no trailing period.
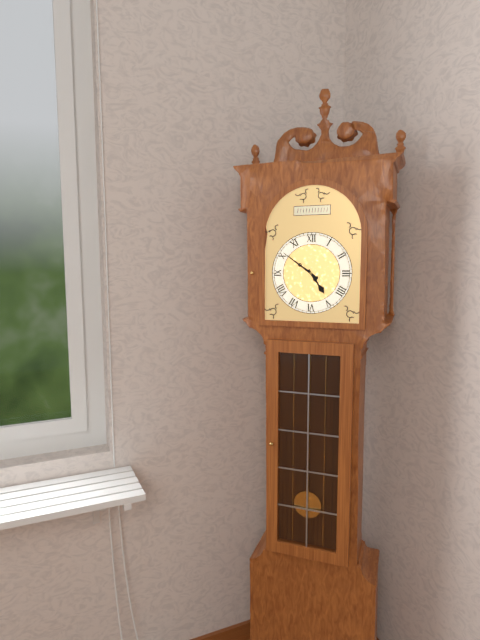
4:51
